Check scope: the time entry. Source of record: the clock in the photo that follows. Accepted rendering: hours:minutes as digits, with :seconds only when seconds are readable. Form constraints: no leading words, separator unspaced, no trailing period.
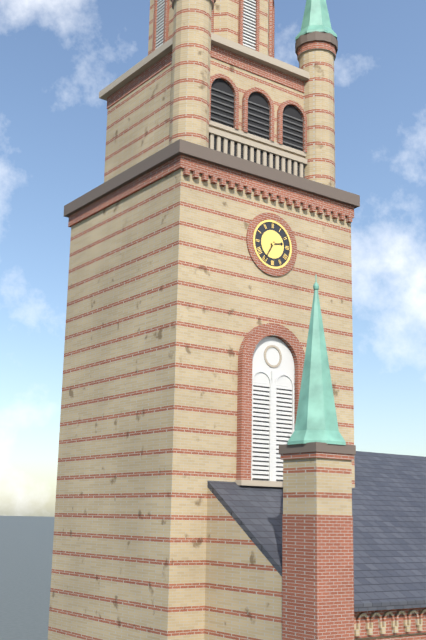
2:35
